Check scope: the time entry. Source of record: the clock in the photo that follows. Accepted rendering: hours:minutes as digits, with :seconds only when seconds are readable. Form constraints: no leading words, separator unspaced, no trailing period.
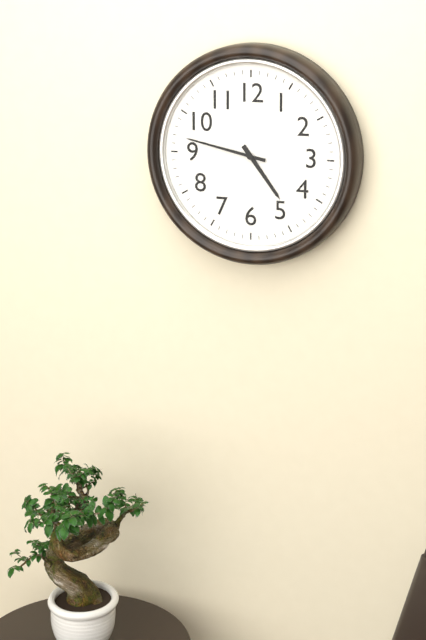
4:47
